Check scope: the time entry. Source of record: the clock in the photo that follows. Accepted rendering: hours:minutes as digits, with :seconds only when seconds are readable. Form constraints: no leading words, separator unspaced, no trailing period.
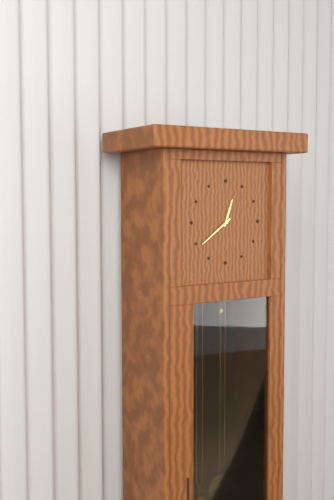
12:39
